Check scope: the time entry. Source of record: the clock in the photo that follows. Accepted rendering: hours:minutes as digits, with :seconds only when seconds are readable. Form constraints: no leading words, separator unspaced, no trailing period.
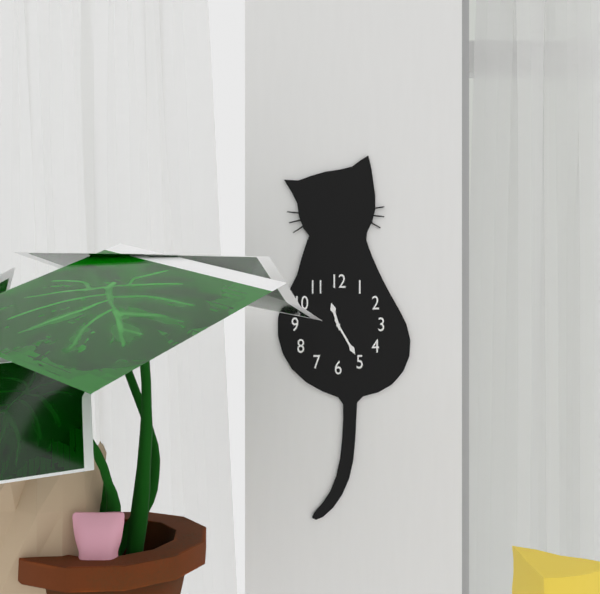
11:25
